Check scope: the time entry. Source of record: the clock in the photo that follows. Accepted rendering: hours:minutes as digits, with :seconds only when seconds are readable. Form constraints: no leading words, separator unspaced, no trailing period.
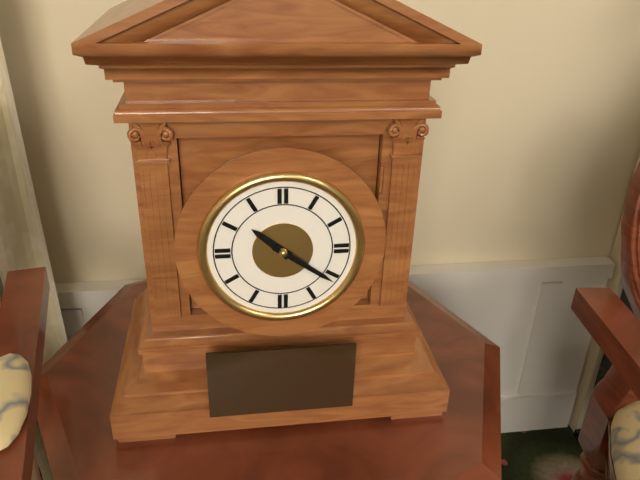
10:21
